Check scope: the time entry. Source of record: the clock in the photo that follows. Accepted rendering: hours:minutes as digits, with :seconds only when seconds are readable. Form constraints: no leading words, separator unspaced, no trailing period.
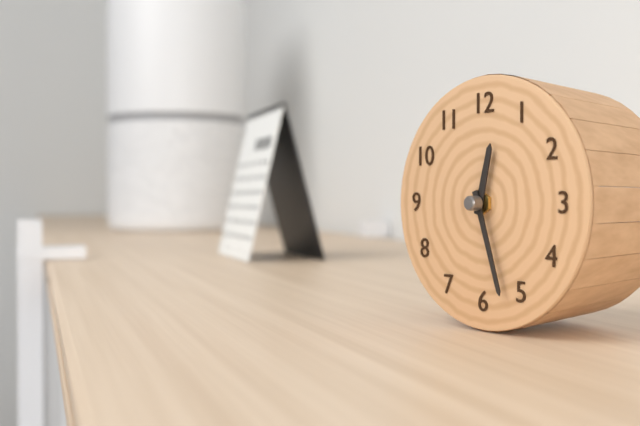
12:27
